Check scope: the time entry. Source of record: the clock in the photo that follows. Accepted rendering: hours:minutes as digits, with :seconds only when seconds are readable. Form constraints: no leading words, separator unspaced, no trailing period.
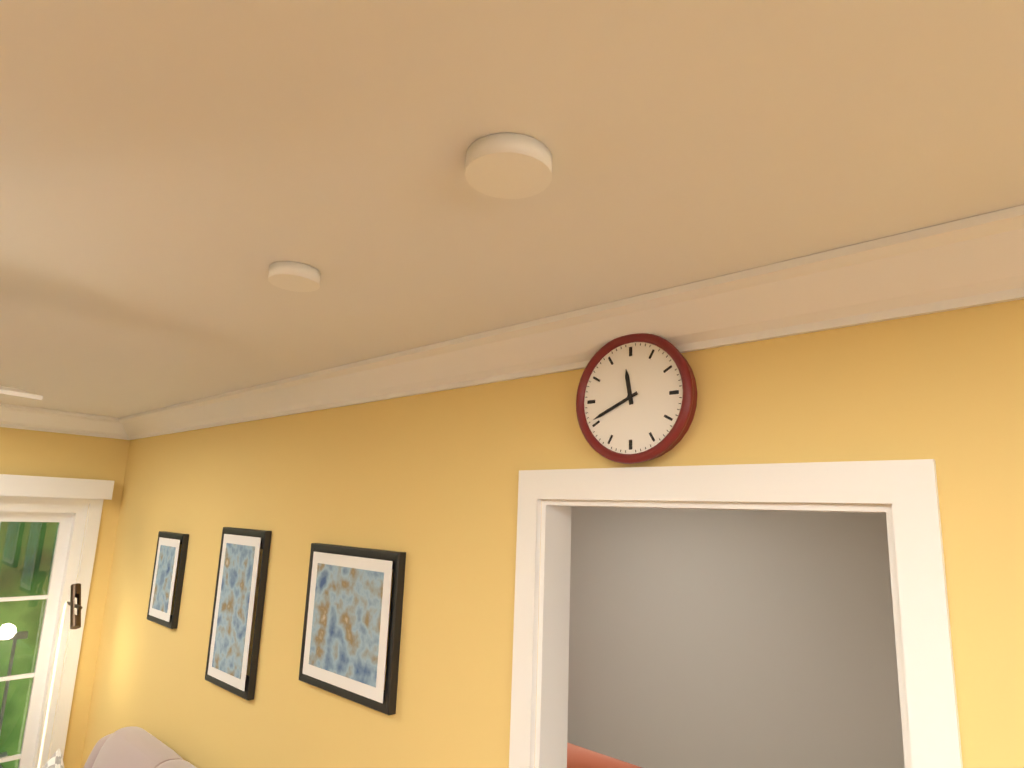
11:41
